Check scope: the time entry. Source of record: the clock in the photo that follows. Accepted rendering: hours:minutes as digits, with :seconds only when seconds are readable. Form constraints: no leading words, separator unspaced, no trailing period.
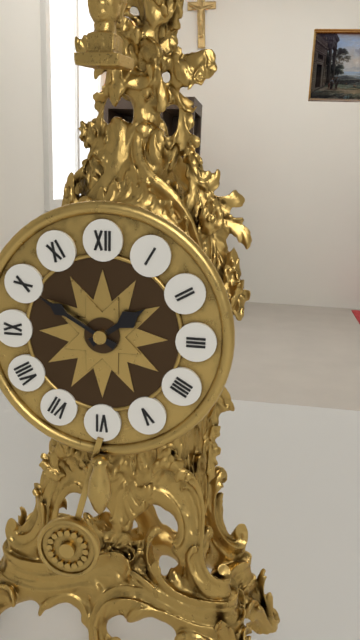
1:50
